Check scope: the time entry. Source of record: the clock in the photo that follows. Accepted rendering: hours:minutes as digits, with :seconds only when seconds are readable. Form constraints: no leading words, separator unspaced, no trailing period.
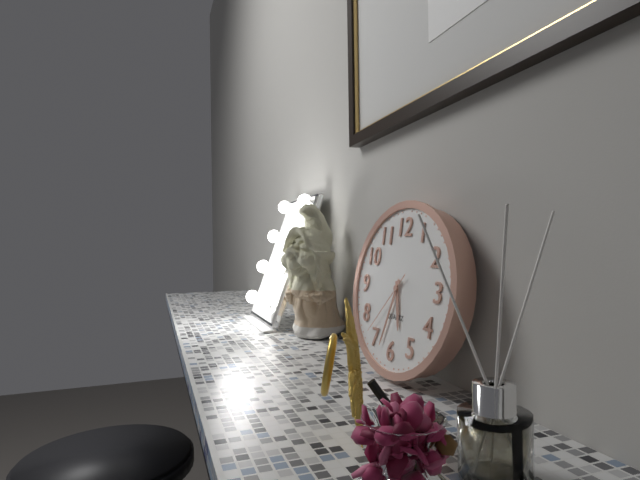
5:33:37
